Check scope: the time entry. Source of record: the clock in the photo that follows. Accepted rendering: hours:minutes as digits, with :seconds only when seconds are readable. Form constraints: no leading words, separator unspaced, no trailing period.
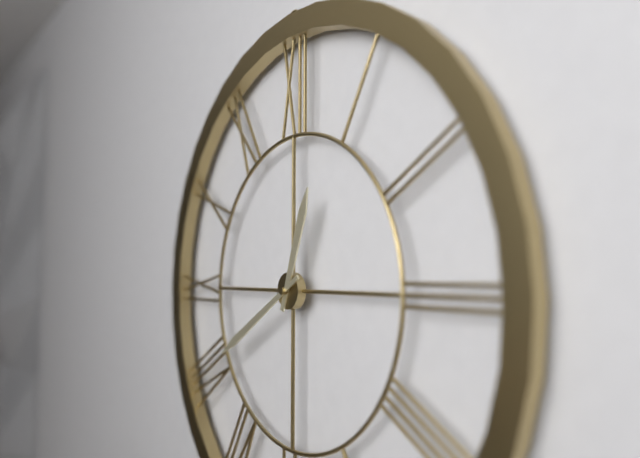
12:40
